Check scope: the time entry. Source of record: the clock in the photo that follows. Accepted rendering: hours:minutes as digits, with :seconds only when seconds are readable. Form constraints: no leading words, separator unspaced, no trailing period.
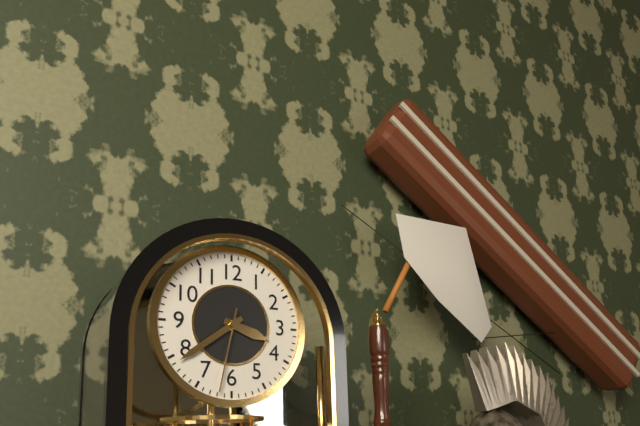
3:39:32
